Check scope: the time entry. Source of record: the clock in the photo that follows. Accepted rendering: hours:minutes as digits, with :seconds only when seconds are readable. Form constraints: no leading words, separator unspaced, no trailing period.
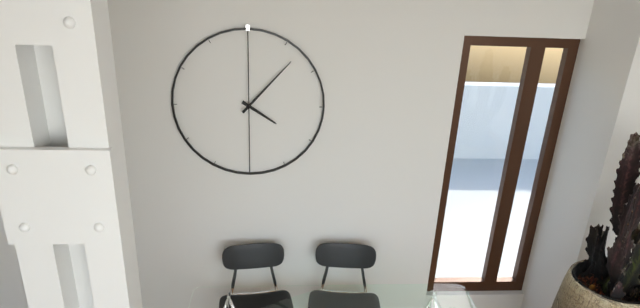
4:07
